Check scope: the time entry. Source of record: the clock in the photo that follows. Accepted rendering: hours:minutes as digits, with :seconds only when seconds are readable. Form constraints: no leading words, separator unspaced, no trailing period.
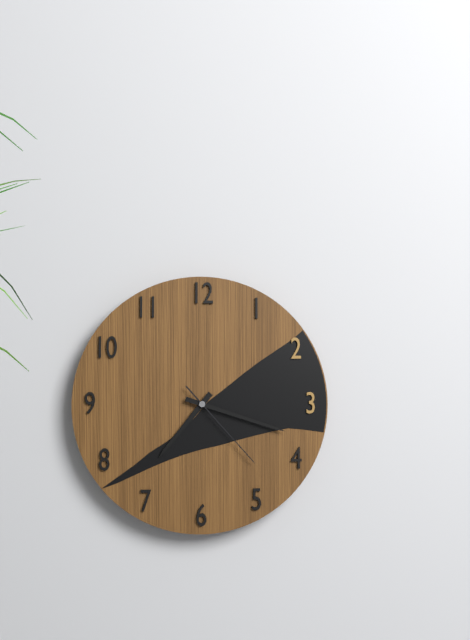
7:18:23
